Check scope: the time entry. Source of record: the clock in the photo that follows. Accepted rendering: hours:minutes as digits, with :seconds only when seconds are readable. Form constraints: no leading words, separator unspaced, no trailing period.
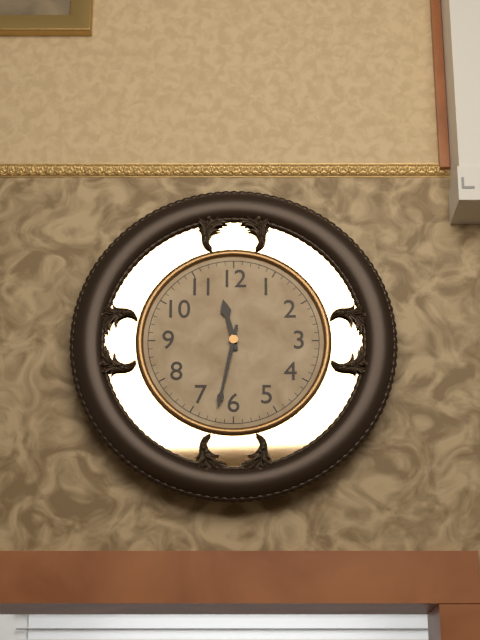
11:32
